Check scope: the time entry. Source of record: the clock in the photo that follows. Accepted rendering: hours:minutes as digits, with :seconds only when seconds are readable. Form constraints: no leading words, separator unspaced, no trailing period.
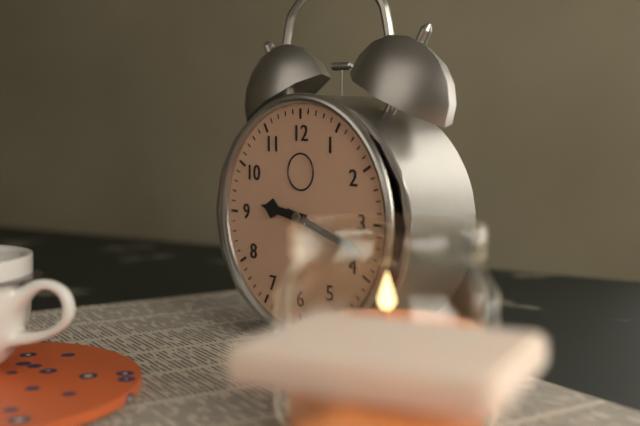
9:18
